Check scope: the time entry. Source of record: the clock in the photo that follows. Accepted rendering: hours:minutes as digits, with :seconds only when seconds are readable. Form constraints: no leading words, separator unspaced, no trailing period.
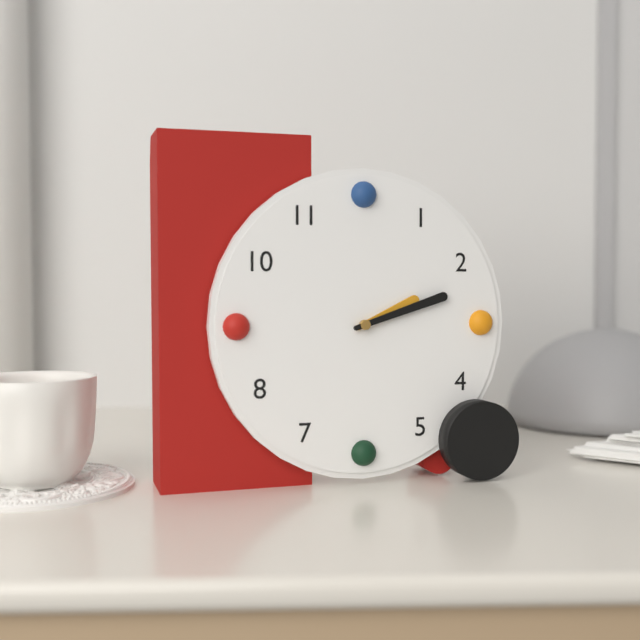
2:12
